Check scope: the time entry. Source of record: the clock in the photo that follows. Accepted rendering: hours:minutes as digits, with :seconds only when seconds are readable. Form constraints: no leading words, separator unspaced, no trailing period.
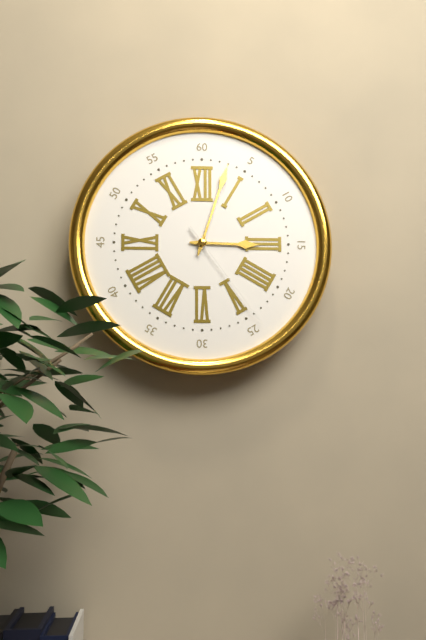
3:03:24
